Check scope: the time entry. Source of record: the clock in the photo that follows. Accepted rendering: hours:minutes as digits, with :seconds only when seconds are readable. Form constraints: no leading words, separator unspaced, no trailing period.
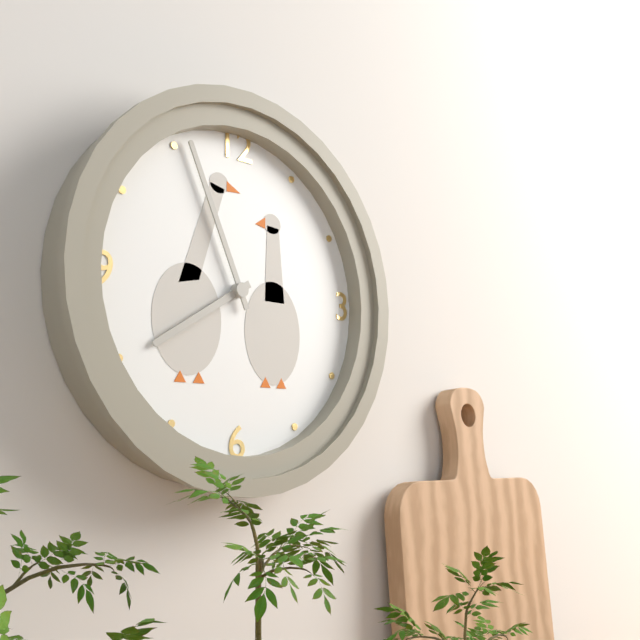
7:56
